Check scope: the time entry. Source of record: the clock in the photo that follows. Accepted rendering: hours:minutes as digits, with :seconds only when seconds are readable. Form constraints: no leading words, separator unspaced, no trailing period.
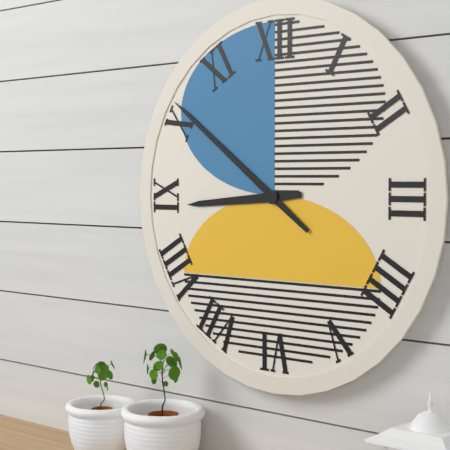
8:51
